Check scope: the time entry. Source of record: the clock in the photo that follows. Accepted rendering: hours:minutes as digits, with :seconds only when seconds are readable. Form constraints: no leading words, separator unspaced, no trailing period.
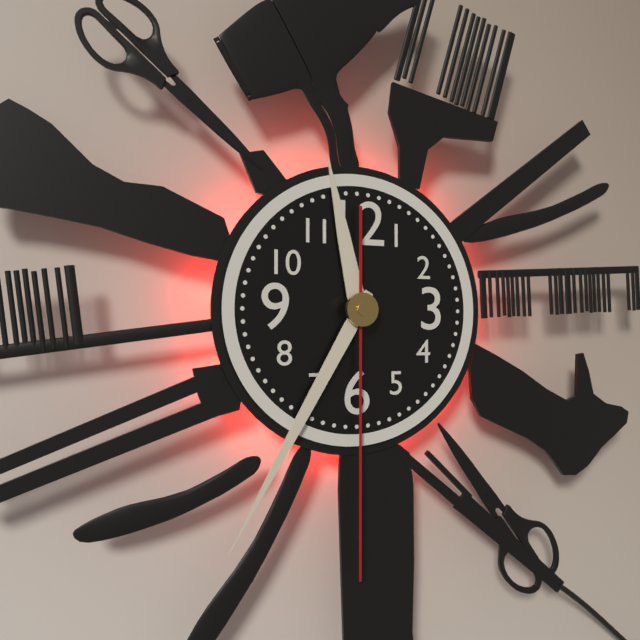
11:35:30
